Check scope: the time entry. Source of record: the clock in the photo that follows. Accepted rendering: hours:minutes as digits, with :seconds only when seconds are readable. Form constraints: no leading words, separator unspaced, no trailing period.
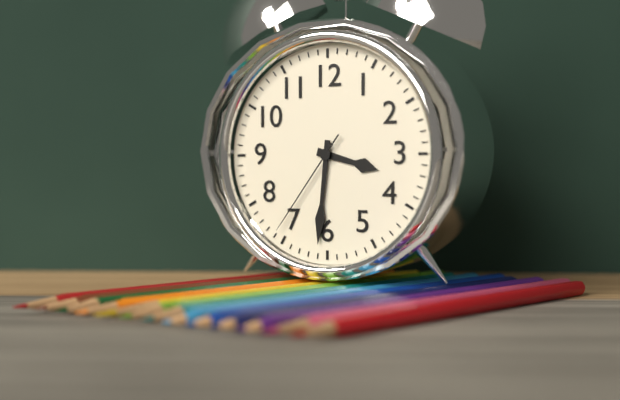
3:31:36
